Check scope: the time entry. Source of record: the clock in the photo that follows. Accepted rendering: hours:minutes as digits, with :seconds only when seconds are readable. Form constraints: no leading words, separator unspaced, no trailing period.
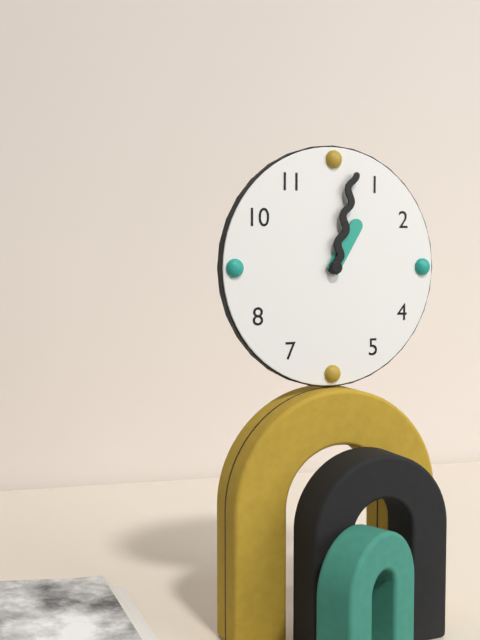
1:02
